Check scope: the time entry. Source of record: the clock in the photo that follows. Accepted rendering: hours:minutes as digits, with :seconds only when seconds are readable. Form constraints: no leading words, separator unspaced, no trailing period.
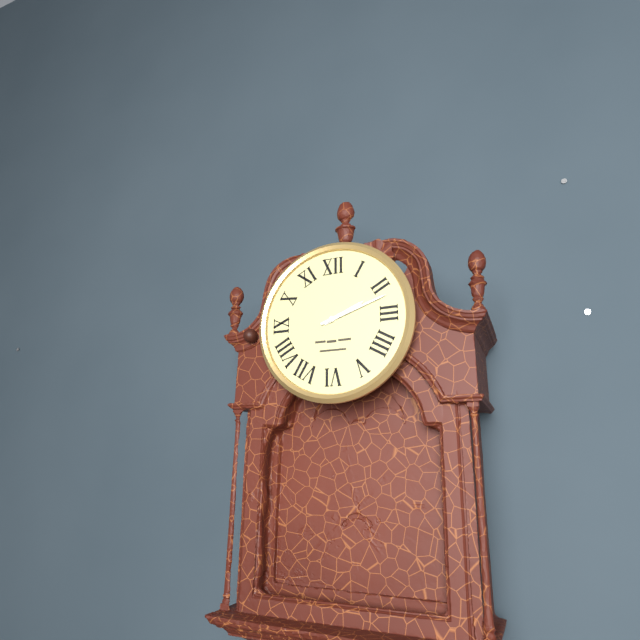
2:12
